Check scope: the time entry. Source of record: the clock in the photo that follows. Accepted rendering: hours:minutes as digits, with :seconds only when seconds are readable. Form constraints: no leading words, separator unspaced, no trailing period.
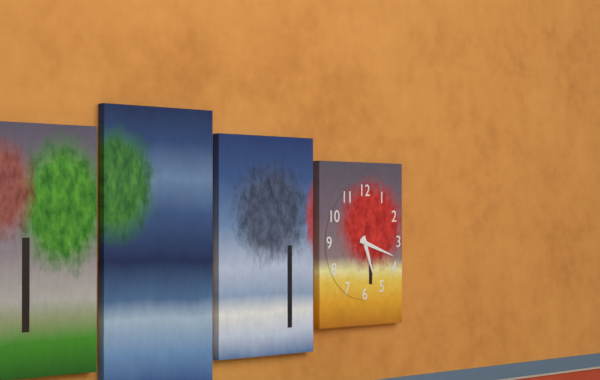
5:18
